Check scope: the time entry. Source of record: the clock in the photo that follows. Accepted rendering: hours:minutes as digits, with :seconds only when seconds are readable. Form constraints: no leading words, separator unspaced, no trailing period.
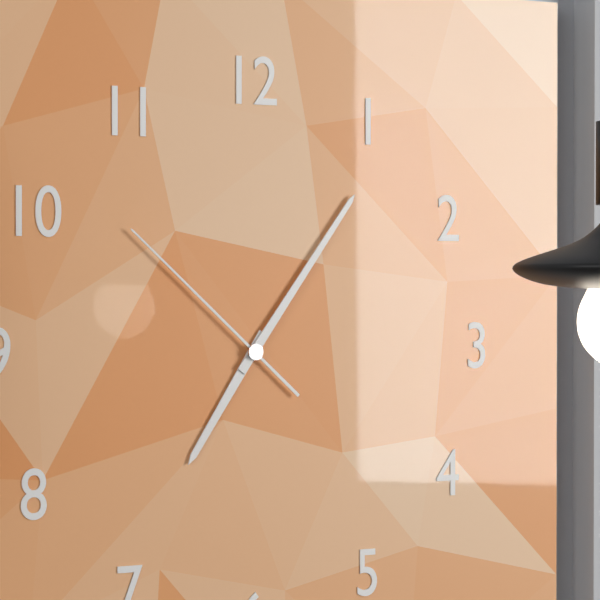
7:06:52
